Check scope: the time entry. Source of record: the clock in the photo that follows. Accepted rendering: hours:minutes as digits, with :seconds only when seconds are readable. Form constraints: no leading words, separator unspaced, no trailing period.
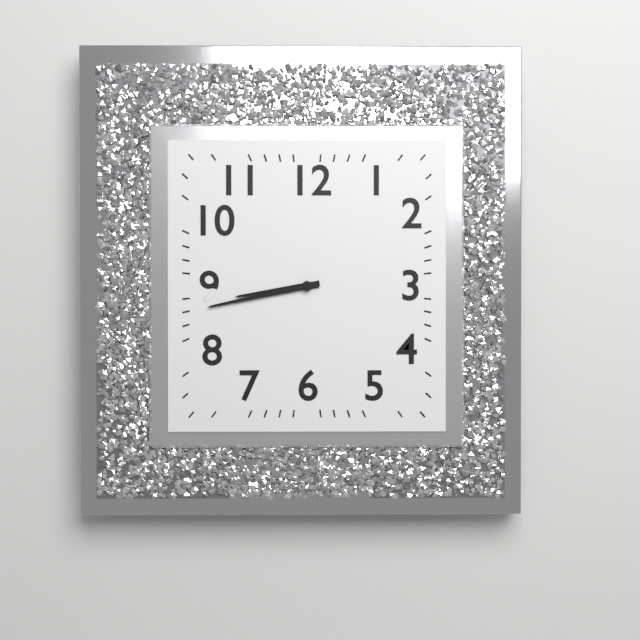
8:43
